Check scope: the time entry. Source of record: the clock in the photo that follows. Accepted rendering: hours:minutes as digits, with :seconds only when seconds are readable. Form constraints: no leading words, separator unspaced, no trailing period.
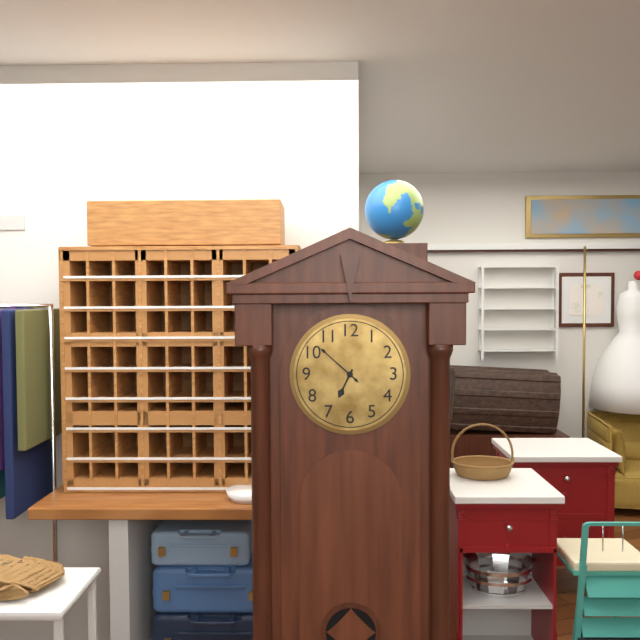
6:52
